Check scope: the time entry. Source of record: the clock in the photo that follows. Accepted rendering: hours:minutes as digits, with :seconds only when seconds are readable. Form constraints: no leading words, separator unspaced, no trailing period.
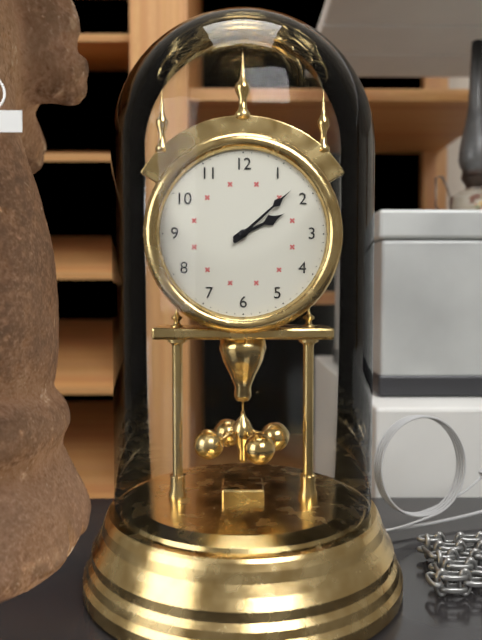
2:08
